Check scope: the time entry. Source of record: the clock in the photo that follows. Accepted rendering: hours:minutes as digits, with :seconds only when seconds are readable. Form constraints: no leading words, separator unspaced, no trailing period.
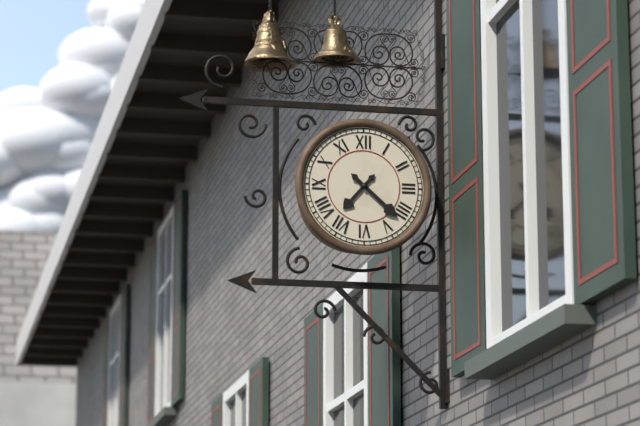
7:22
